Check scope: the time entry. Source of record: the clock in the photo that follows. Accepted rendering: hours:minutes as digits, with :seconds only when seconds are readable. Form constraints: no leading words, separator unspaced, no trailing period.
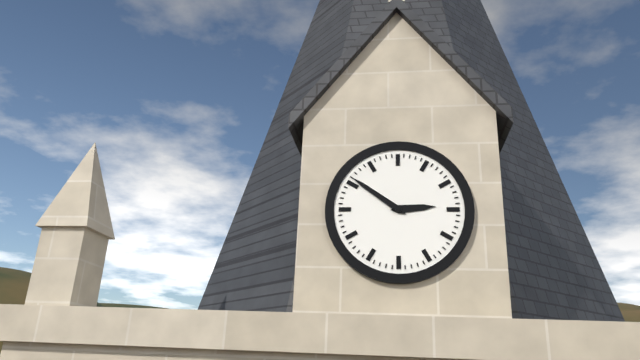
2:51
